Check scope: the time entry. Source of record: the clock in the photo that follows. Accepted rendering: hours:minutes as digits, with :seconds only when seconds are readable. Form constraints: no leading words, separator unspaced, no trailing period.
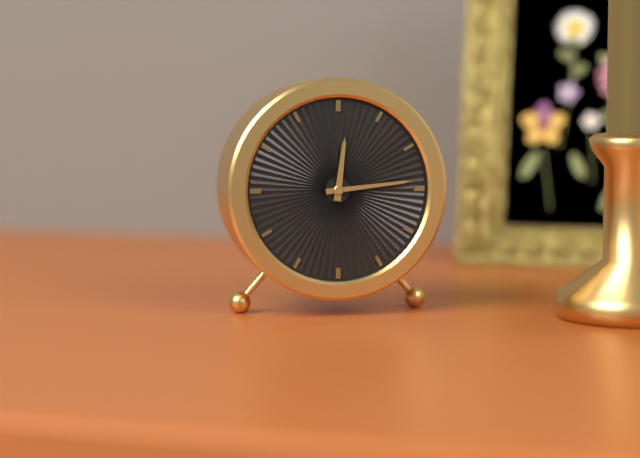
12:14
